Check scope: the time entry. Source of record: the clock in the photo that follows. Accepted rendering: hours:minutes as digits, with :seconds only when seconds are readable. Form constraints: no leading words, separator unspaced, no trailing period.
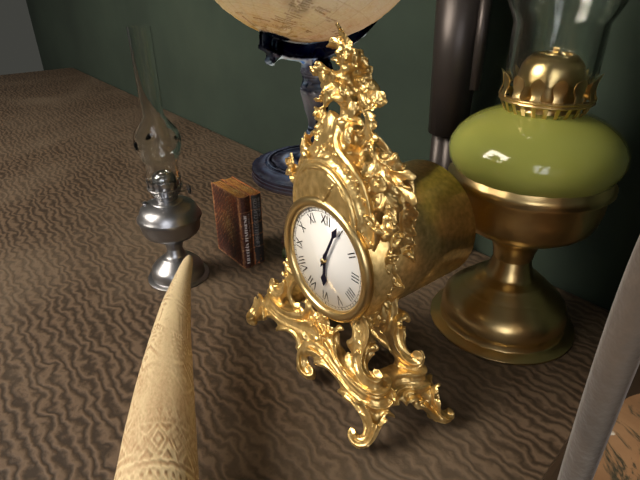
6:04
